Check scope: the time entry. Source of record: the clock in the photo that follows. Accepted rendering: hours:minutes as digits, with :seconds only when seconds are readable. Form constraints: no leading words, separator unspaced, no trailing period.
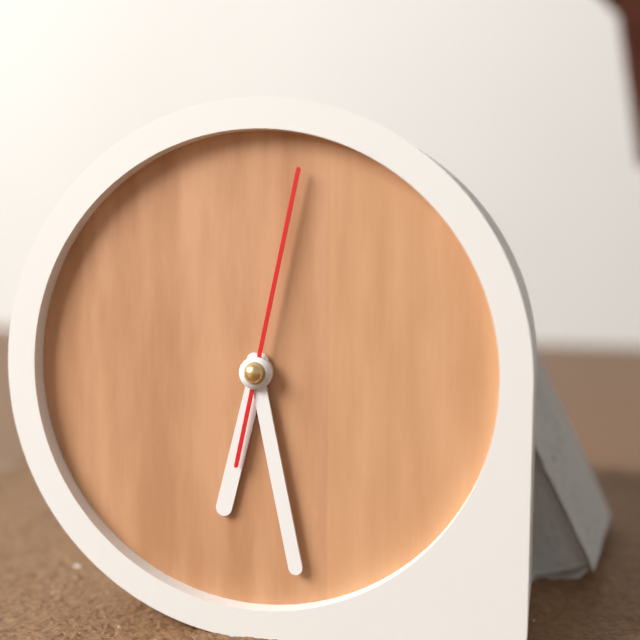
6:28:02
